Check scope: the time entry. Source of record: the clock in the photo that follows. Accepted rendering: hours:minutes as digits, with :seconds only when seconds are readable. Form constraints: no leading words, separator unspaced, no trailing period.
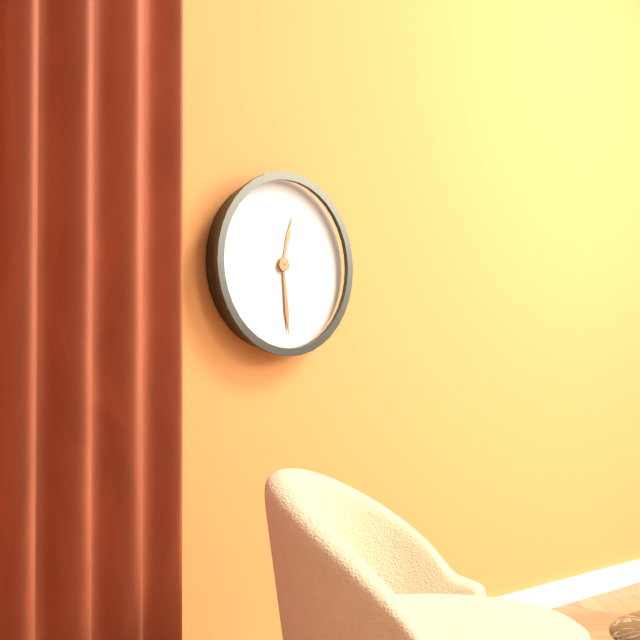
12:29
